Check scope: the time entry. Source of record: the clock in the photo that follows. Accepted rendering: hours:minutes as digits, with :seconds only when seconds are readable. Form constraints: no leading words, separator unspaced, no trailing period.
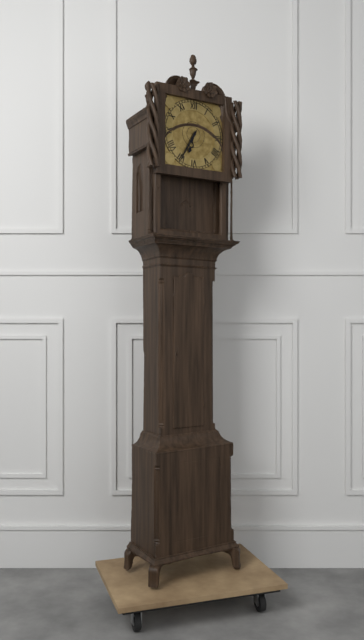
6:35
